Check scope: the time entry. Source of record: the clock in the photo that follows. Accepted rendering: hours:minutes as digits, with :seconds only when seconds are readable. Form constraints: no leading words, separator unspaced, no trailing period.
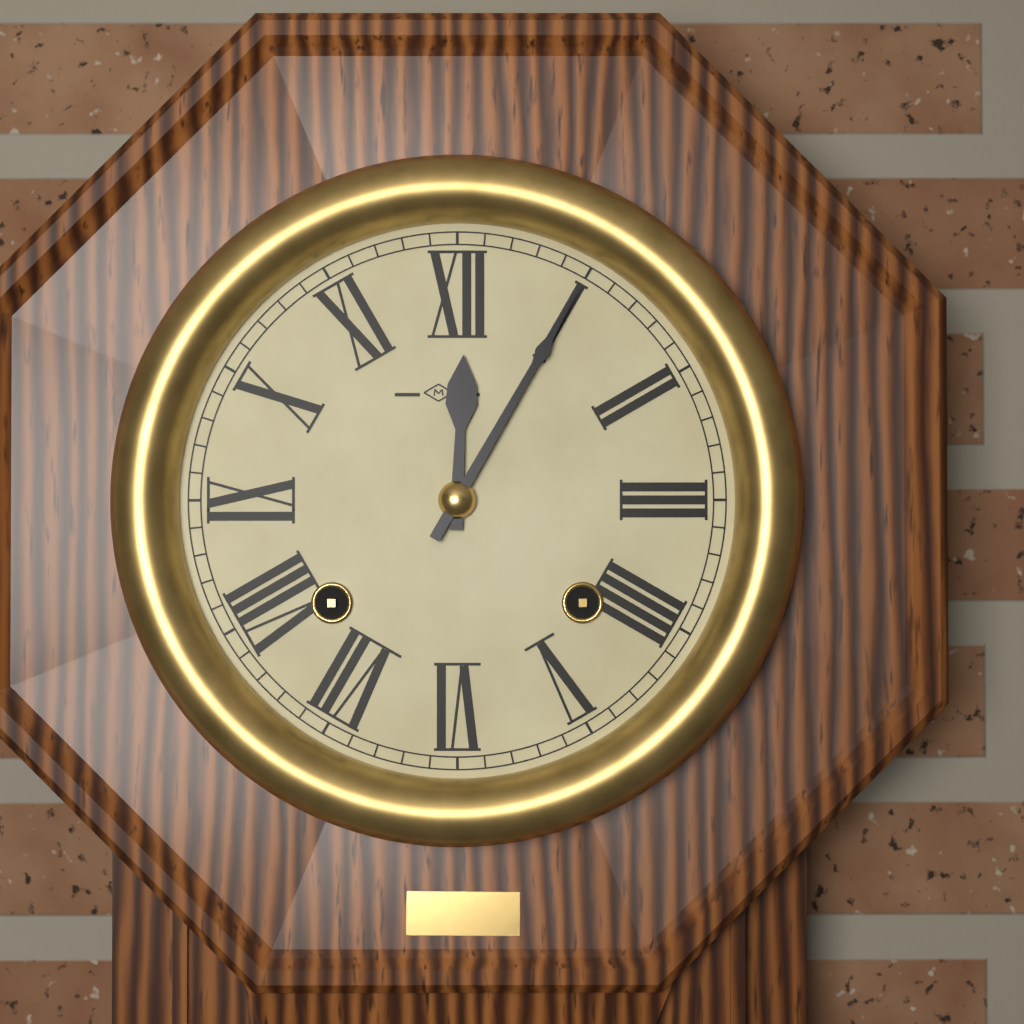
12:05
